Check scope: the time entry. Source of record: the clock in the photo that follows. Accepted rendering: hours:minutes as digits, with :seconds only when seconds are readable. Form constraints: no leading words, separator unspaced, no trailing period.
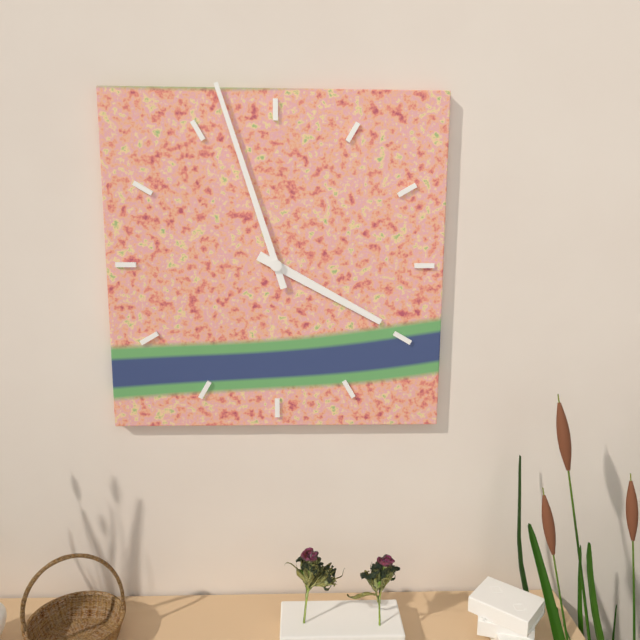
3:57
